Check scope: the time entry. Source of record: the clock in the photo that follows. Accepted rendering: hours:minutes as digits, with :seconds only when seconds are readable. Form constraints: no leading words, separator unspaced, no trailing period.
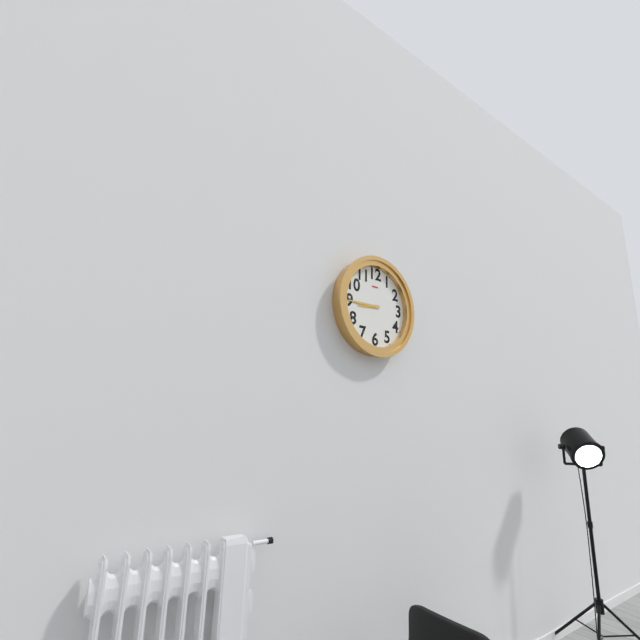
8:45
